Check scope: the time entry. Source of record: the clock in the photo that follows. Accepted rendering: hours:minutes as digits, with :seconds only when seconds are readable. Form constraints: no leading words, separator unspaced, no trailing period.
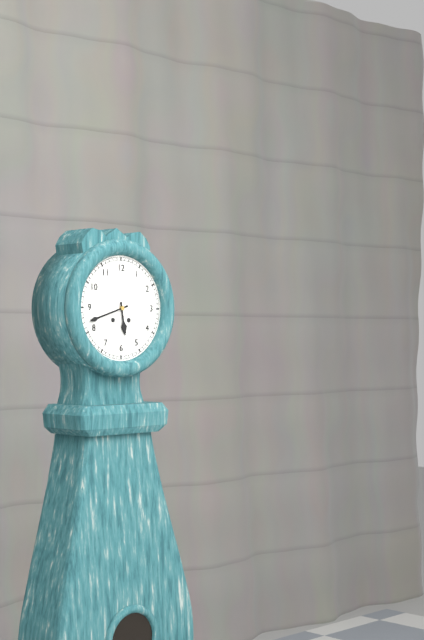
5:42
